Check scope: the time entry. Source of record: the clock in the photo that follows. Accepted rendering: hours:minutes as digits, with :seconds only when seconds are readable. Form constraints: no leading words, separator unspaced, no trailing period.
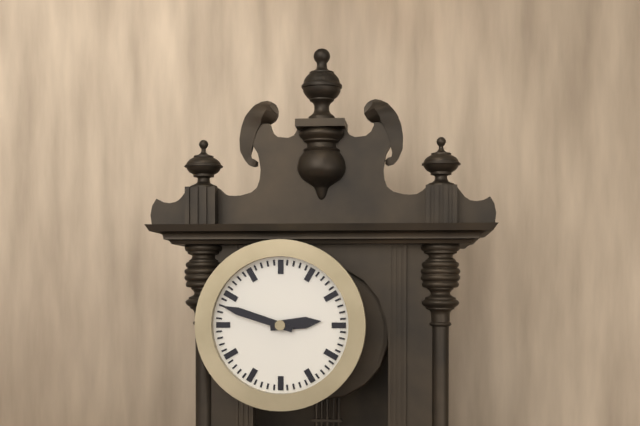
2:48
